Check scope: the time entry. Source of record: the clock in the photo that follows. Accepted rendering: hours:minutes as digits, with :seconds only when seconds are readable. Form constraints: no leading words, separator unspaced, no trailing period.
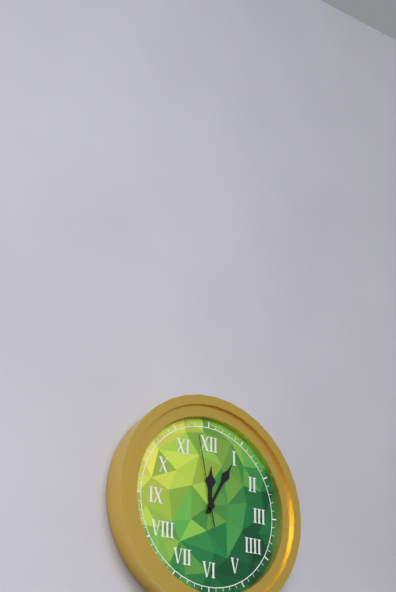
12:05:58
